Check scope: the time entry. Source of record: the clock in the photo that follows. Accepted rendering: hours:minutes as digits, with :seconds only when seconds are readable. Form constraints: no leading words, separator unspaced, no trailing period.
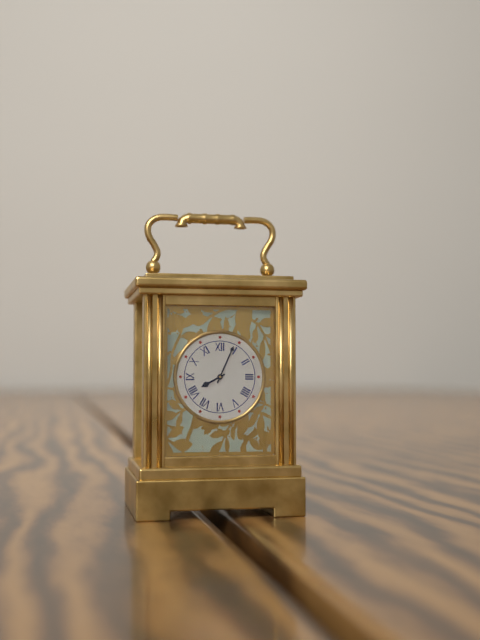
8:04
